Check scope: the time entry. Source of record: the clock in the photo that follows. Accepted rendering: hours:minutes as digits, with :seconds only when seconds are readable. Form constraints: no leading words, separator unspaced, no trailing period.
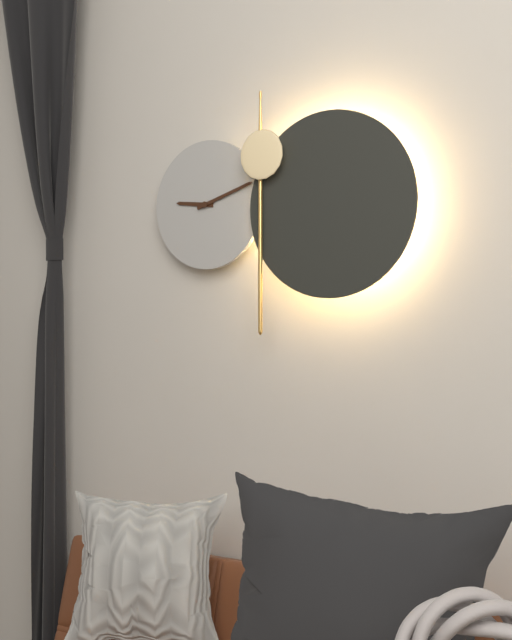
9:12
